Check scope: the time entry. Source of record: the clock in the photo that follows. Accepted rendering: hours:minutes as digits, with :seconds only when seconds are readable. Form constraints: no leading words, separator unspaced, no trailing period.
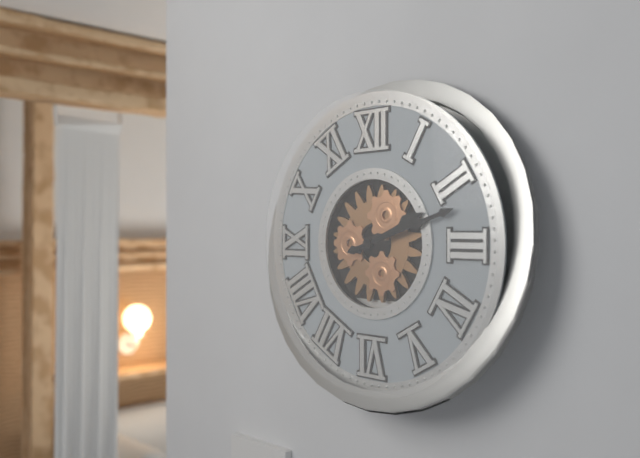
2:12
